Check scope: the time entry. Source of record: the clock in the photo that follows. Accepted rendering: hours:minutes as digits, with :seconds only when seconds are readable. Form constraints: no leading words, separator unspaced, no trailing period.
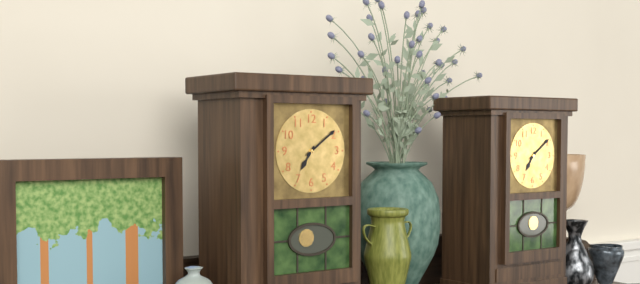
7:09
